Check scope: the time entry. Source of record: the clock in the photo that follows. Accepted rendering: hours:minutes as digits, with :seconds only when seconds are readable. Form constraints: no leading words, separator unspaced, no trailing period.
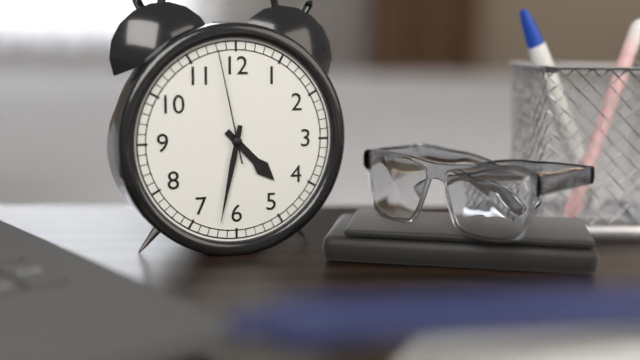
4:32:58
